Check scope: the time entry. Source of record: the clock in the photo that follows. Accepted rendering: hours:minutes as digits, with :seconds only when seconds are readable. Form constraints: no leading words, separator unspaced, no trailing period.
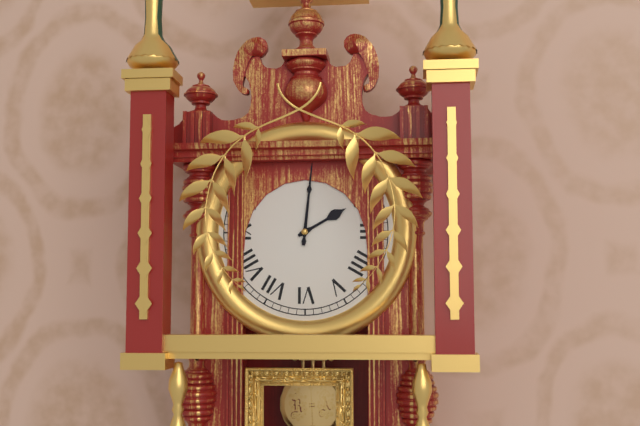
2:01
